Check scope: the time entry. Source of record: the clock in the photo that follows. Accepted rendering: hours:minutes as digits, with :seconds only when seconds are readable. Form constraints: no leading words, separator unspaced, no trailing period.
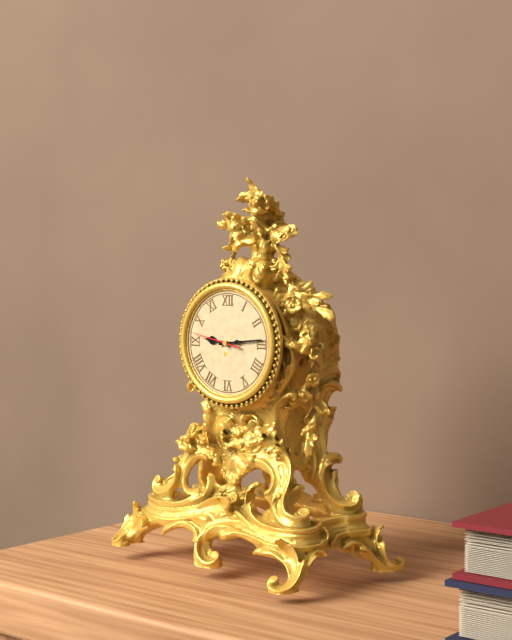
9:14
